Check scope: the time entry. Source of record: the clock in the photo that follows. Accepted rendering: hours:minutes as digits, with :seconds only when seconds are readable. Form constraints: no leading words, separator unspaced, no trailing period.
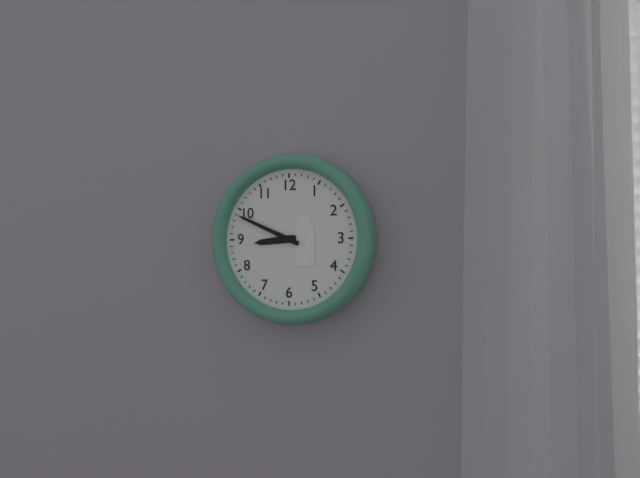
8:49
